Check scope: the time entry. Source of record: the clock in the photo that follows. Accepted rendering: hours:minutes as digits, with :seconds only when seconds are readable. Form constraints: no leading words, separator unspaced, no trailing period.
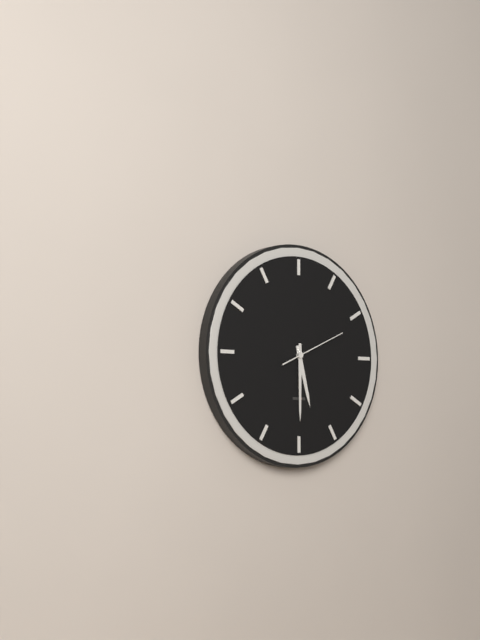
5:30:11
